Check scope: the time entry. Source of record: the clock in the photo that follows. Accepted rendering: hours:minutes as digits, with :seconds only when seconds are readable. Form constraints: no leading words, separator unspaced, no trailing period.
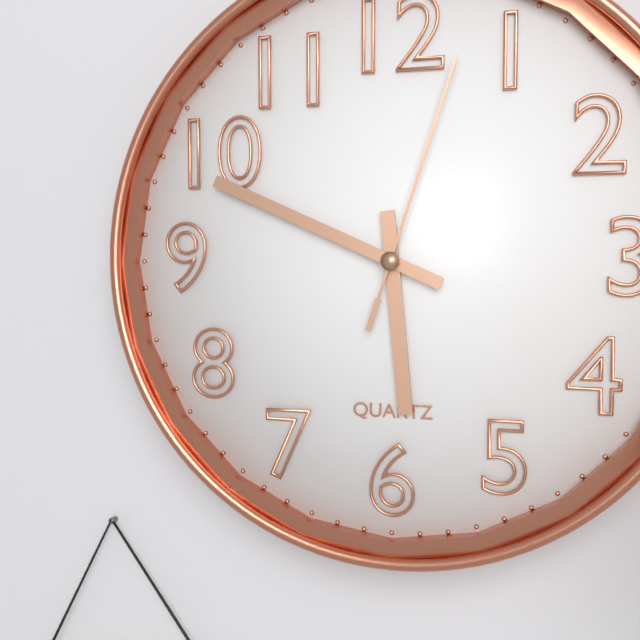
5:49:03
